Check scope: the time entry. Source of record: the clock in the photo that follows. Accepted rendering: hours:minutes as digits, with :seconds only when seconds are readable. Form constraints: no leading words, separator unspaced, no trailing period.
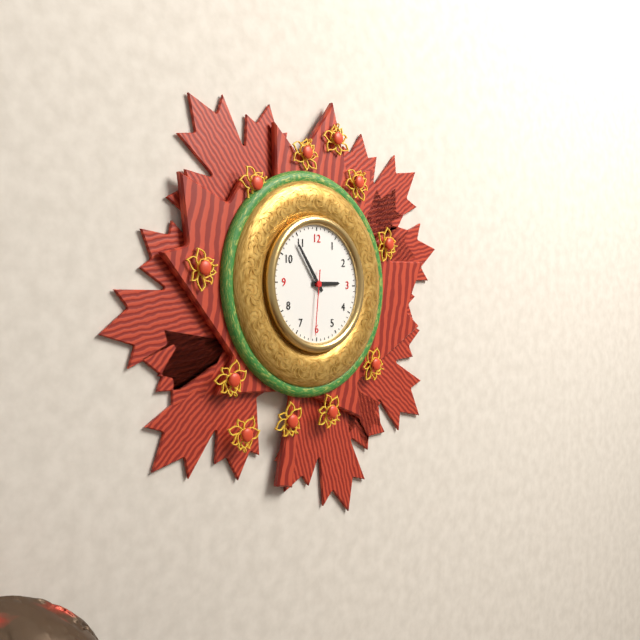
2:54:31
